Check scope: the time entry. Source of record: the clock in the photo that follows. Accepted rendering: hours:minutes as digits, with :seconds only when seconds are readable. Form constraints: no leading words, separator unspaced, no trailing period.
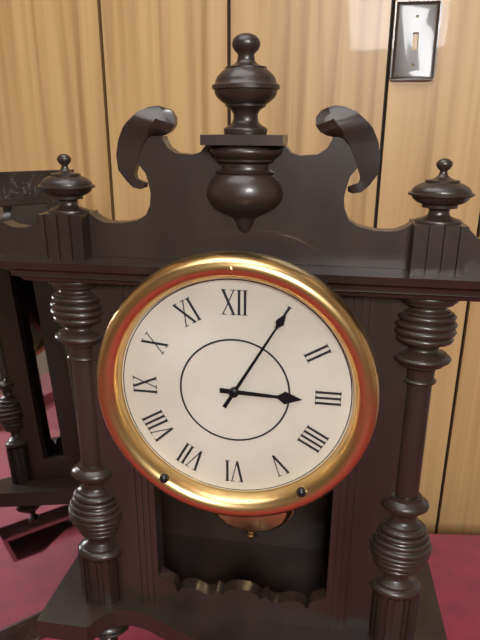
3:05
